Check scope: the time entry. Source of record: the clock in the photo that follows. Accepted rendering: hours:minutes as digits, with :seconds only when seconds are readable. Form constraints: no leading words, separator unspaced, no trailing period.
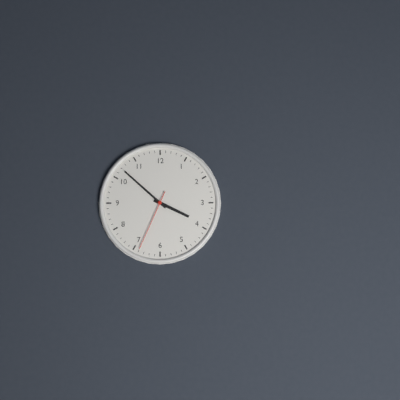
3:52:34
